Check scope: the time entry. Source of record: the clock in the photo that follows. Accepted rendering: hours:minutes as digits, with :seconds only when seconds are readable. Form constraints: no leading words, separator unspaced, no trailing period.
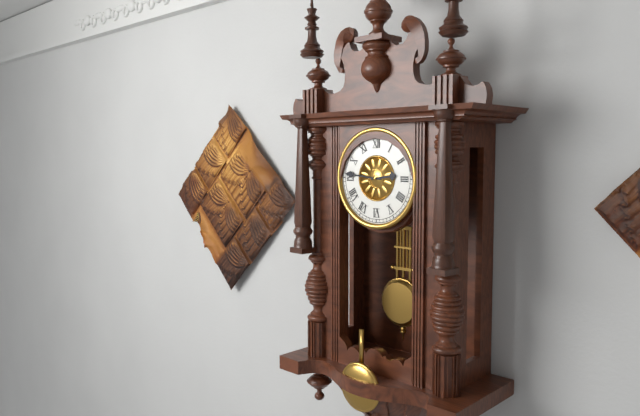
2:46
